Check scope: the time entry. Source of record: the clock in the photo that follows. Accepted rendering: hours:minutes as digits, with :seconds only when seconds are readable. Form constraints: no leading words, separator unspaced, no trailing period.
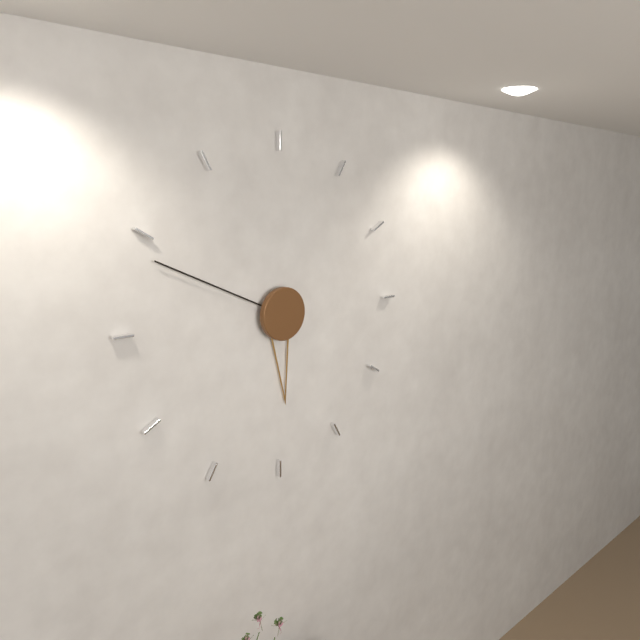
5:49
